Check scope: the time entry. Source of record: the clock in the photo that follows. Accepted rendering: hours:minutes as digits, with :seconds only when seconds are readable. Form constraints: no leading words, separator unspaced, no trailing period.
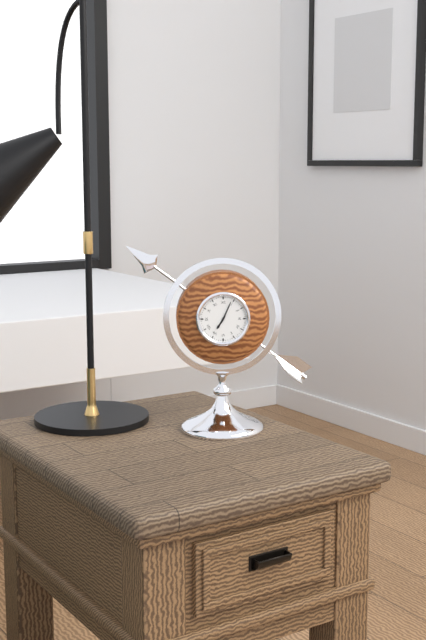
7:04
